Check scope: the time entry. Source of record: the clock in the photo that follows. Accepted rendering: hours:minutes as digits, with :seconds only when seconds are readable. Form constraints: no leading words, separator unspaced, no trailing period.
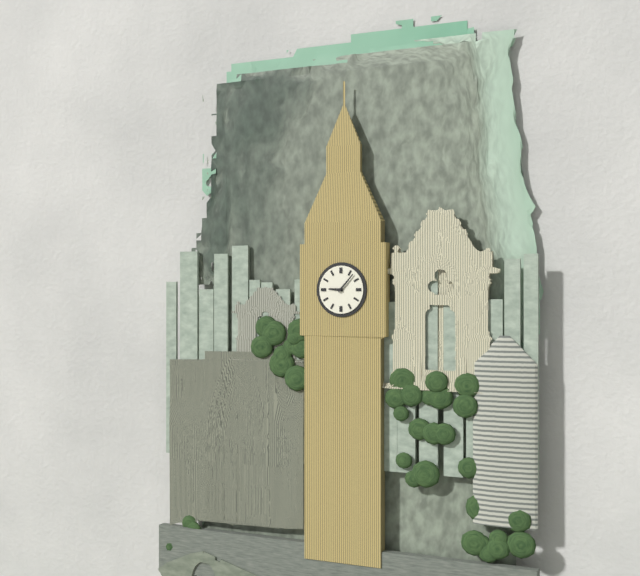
9:07
